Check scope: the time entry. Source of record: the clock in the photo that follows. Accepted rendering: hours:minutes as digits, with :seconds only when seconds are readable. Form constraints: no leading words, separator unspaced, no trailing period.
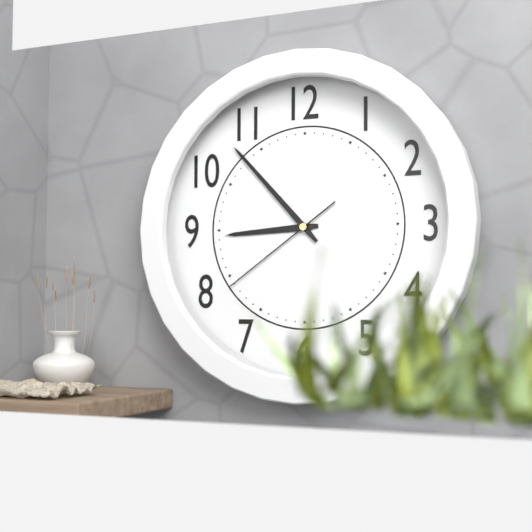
8:53:39
